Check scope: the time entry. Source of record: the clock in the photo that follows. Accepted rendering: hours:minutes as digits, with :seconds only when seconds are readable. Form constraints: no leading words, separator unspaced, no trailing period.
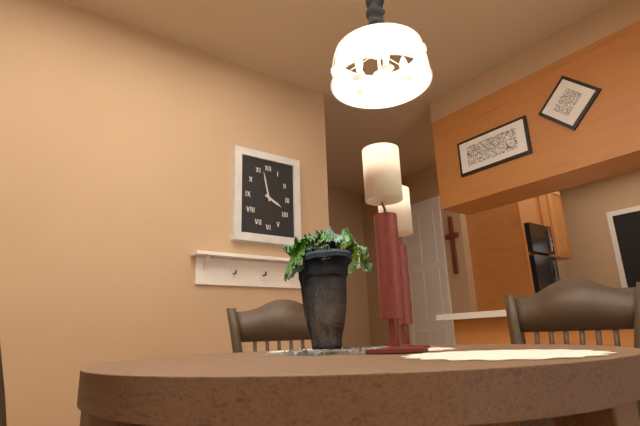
3:58
